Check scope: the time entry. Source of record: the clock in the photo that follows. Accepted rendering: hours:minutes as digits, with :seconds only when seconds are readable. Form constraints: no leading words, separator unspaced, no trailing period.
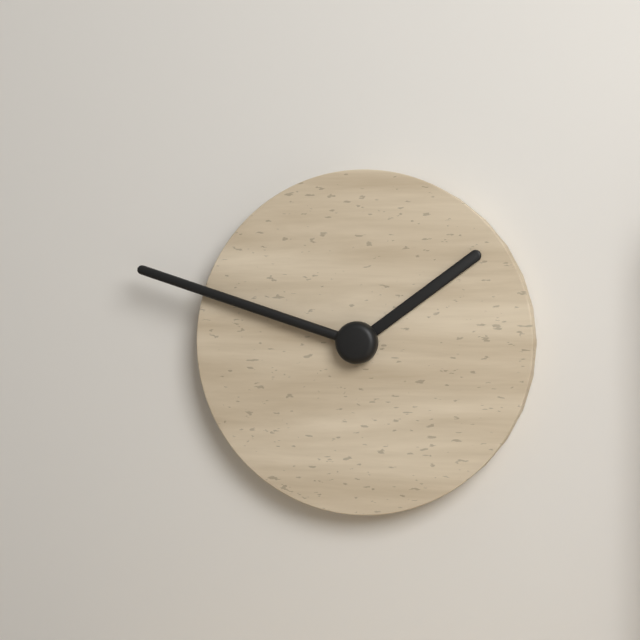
1:48
